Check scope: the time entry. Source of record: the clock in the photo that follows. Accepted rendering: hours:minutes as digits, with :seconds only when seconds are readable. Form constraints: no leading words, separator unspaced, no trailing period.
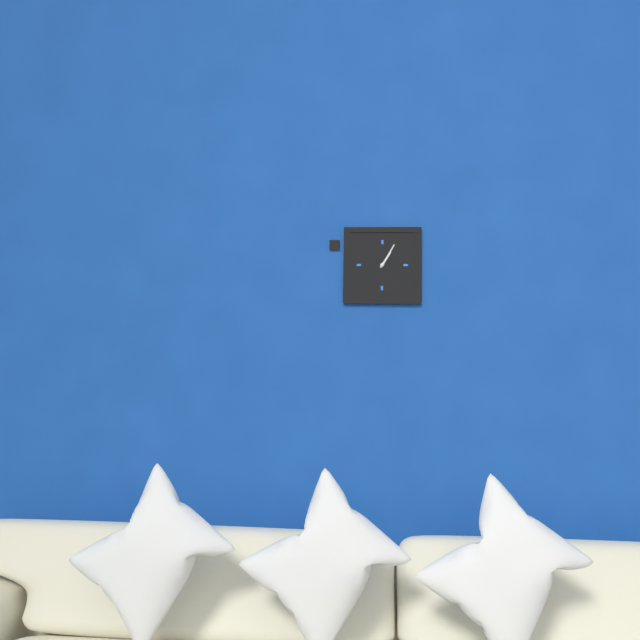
1:05
